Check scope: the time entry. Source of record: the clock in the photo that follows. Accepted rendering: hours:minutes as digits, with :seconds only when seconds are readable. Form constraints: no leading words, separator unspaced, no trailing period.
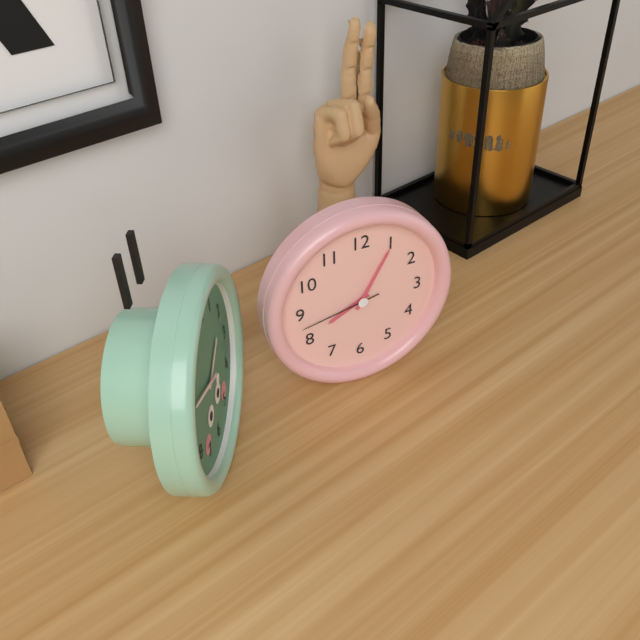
8:05:43
